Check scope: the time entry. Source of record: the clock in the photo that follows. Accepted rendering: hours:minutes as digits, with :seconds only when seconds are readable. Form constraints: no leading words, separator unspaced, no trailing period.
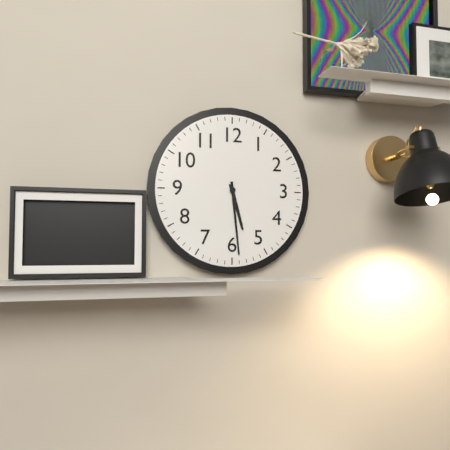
5:29
